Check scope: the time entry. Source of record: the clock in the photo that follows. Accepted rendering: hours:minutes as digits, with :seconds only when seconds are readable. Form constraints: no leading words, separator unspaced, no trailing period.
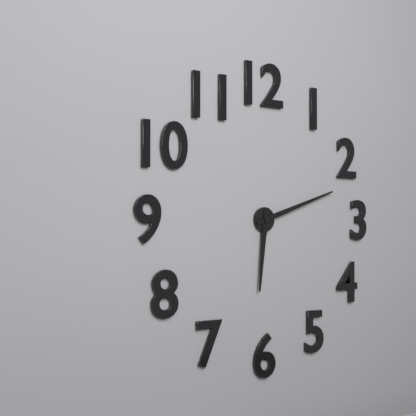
6:12
